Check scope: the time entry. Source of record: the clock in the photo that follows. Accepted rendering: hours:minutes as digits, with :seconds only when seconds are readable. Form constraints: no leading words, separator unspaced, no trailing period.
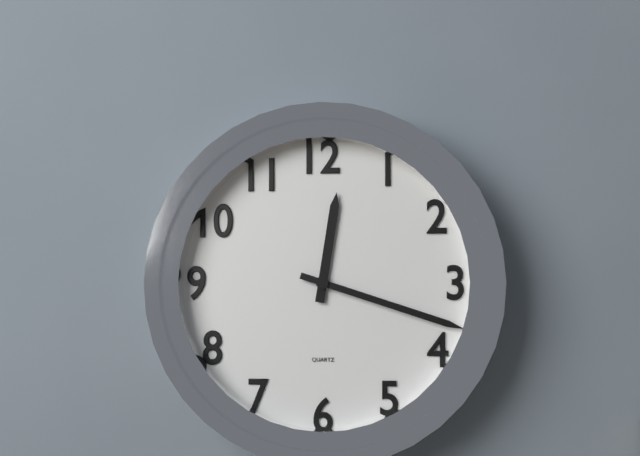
12:18
